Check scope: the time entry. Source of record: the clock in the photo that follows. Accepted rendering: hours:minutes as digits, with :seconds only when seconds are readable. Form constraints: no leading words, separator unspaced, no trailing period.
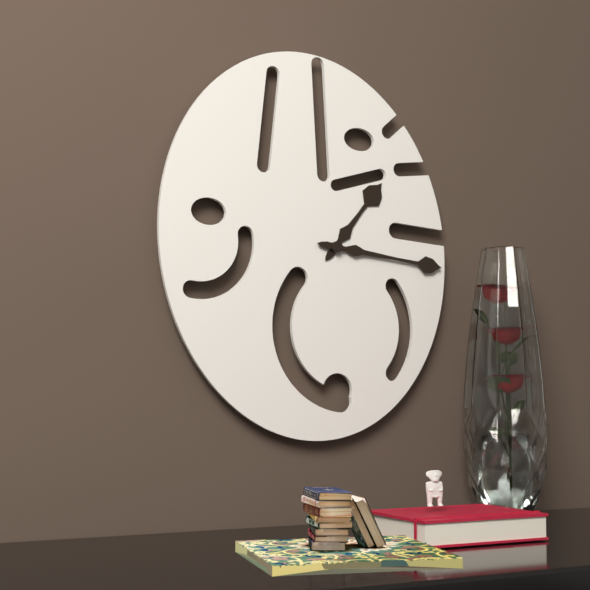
1:16
